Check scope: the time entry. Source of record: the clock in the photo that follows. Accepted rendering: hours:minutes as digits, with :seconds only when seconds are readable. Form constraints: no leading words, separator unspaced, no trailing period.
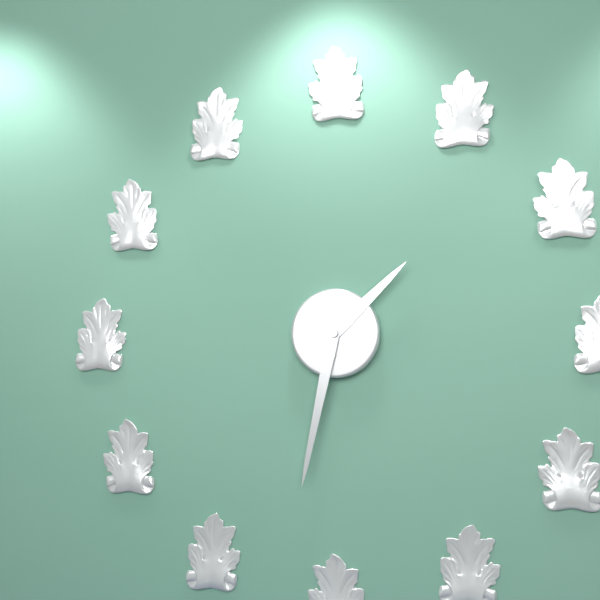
1:32
